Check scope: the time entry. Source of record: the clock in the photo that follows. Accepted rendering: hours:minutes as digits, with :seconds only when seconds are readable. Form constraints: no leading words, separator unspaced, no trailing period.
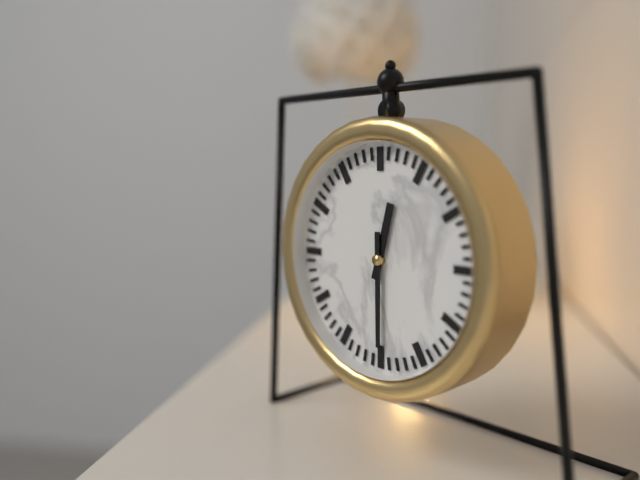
12:30
